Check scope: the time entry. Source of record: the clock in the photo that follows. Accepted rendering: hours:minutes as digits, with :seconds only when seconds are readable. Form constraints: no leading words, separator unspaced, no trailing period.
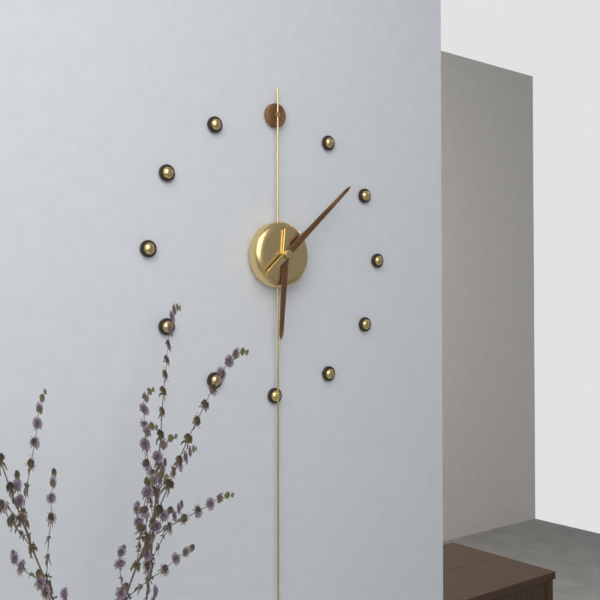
6:08
